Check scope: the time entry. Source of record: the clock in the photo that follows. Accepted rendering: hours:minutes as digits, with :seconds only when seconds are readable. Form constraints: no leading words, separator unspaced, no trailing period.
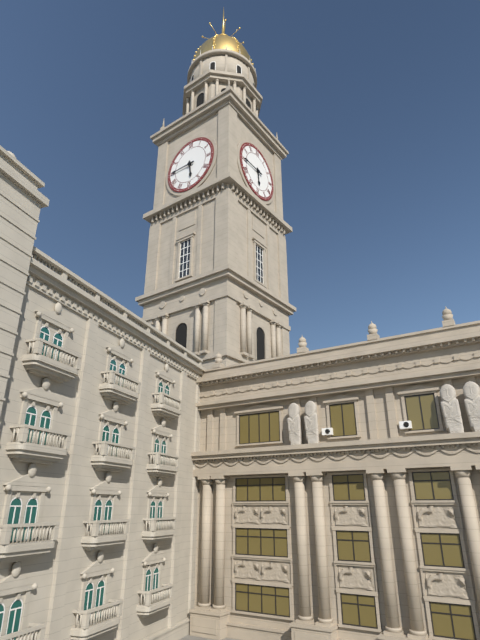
5:45
